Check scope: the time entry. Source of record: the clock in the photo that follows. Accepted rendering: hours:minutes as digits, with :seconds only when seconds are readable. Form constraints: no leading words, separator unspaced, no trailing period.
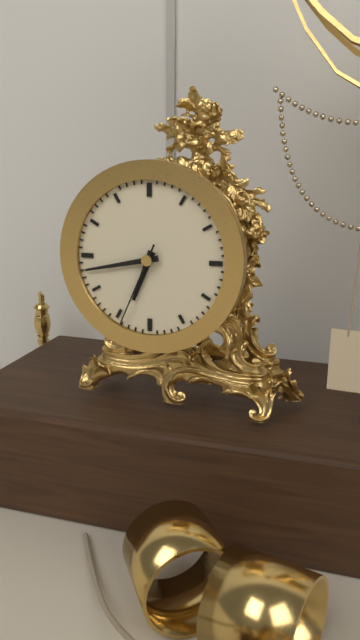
6:43:34
